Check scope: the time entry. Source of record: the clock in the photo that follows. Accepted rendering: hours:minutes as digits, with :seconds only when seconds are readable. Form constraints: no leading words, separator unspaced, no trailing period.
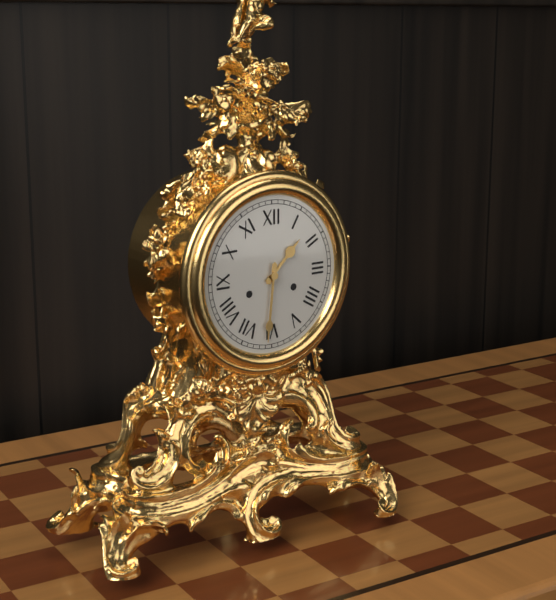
1:31
